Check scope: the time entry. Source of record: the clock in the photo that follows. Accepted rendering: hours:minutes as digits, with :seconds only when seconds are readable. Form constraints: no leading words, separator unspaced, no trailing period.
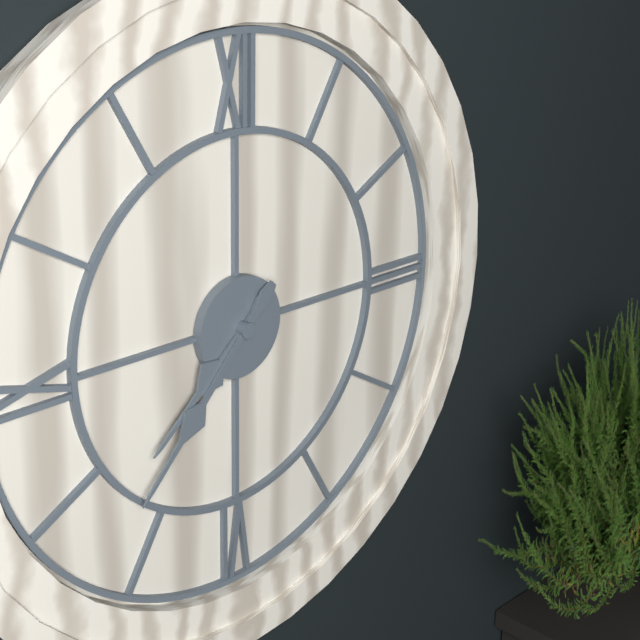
7:37
